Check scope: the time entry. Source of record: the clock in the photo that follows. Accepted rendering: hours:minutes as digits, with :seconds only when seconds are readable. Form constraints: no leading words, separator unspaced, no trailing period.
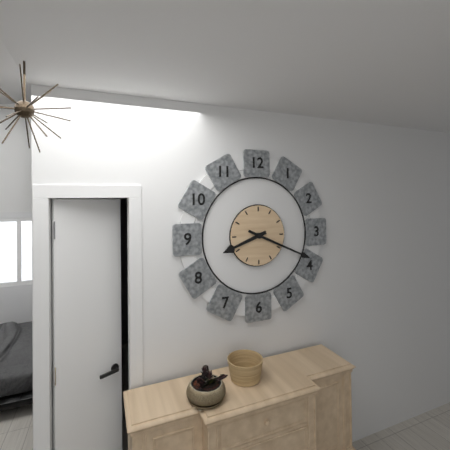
8:19
